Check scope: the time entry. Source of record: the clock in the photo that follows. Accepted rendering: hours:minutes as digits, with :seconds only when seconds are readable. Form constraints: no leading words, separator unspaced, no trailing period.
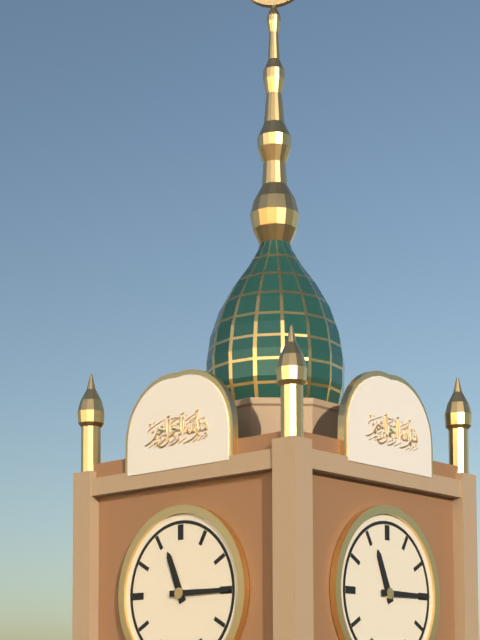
11:15
